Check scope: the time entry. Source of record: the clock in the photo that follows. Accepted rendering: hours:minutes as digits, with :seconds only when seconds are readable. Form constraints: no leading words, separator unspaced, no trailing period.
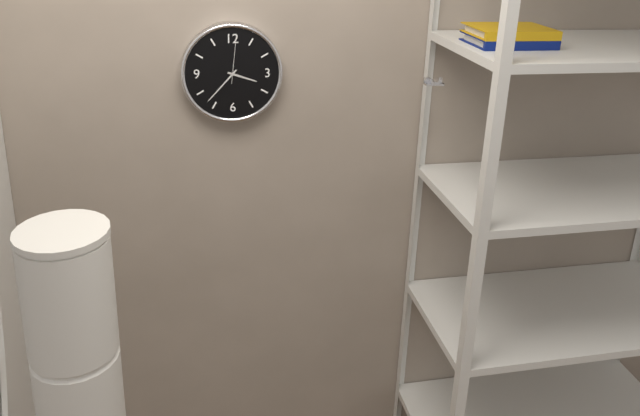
3:37:01
